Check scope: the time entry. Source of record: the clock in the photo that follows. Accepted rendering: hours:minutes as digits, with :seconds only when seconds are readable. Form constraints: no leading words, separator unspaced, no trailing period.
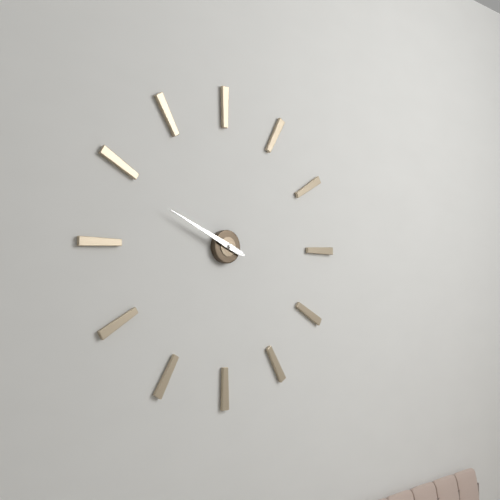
9:49
